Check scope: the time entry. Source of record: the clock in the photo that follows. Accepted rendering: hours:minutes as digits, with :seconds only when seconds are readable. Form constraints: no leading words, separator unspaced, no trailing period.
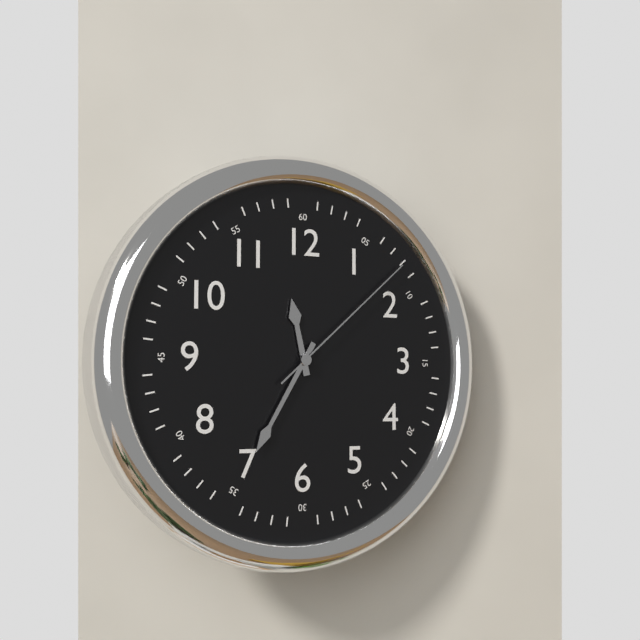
11:35:08
